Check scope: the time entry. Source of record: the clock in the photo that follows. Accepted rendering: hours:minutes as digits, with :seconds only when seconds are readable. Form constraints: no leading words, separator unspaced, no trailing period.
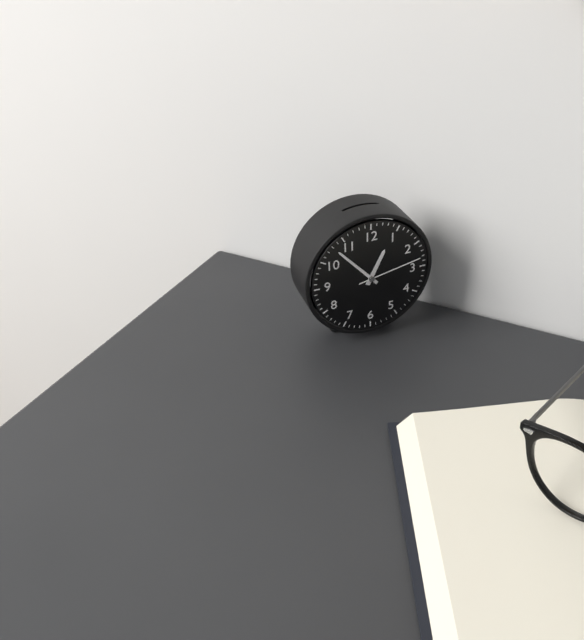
12:53:13
